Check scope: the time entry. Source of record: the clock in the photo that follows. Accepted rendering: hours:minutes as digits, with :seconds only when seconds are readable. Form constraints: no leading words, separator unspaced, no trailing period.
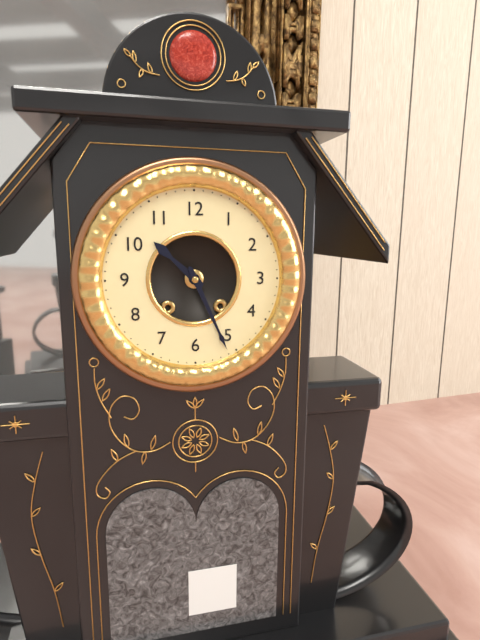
10:26
